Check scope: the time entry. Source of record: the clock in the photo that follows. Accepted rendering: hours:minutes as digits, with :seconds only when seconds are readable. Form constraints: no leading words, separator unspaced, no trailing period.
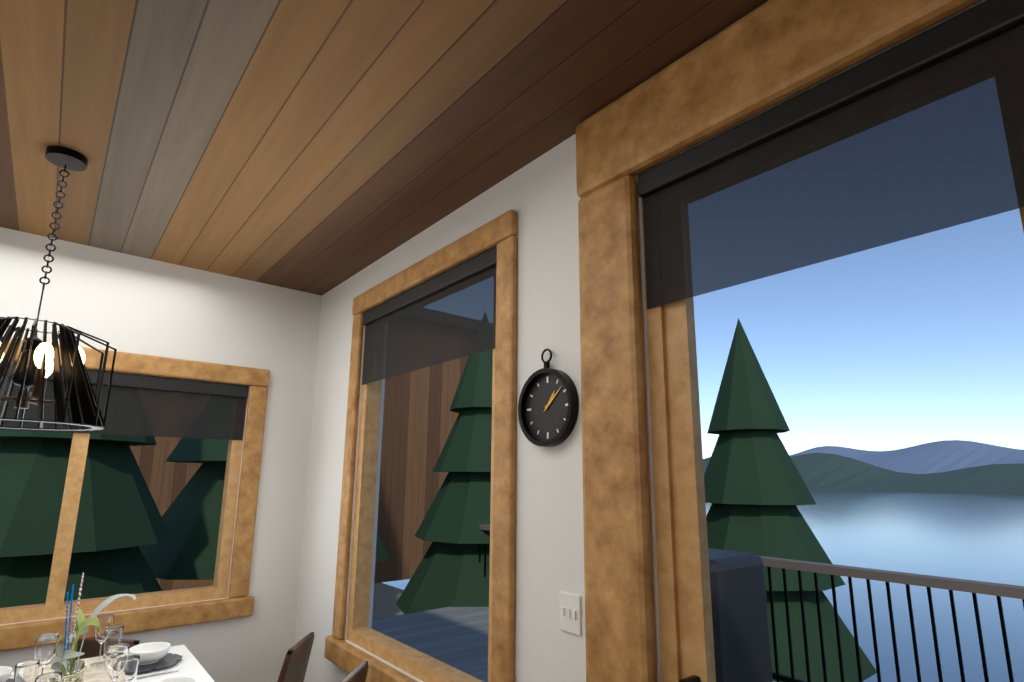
1:08
